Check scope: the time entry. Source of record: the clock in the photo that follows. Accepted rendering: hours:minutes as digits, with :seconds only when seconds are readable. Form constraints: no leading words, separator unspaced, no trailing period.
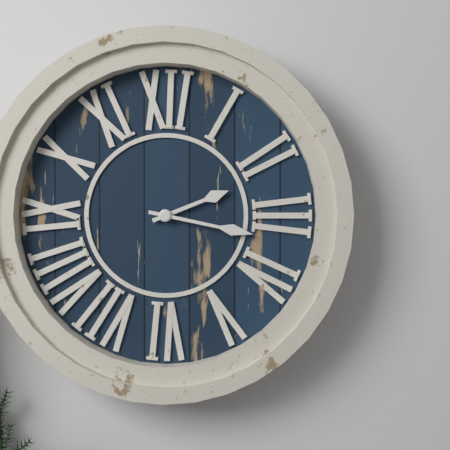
2:17
